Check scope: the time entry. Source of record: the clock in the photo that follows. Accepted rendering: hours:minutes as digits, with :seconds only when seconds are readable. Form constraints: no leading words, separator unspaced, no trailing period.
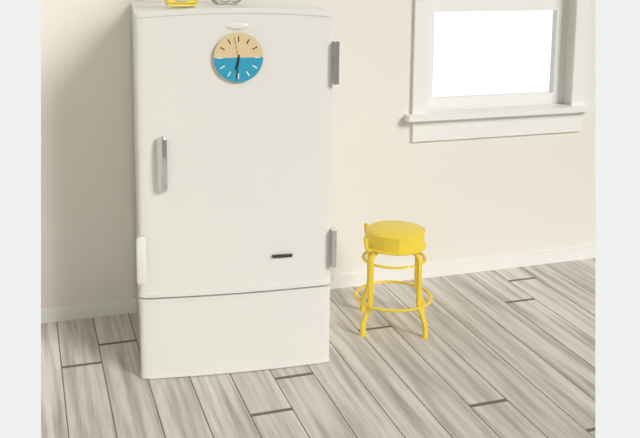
6:31
